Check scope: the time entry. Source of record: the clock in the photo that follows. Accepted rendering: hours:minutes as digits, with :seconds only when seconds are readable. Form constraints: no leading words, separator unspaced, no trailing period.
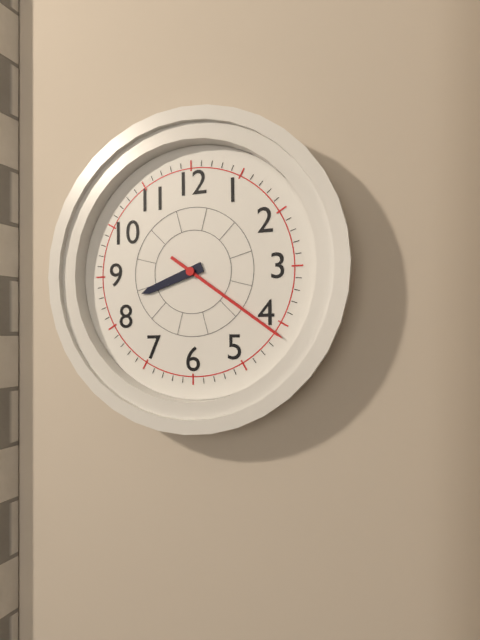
8:21
